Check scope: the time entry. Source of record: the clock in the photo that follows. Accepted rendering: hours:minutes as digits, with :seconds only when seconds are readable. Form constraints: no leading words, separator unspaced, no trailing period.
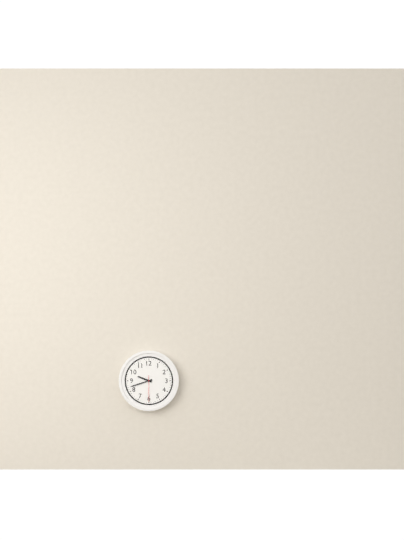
9:42
